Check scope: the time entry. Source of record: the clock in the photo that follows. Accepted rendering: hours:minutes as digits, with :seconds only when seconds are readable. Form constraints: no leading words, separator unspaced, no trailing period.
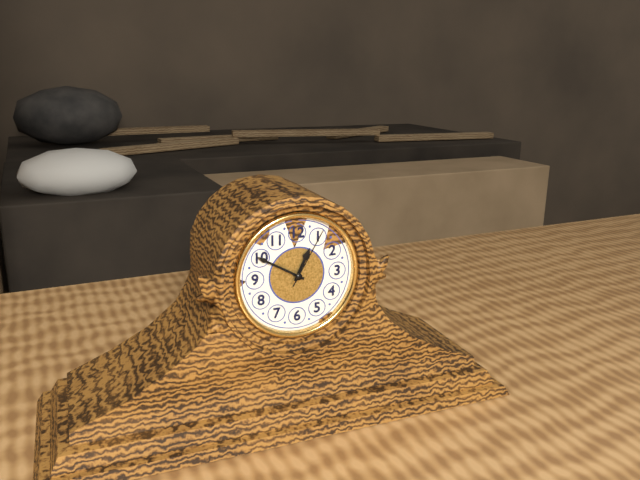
12:50:05
